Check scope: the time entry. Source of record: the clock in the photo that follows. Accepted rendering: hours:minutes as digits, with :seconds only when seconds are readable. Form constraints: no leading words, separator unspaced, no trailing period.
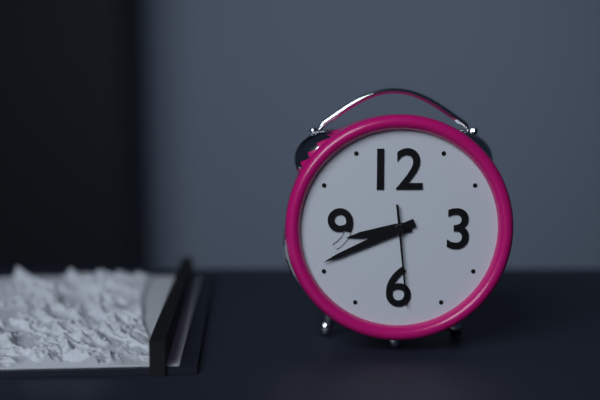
8:41:29
